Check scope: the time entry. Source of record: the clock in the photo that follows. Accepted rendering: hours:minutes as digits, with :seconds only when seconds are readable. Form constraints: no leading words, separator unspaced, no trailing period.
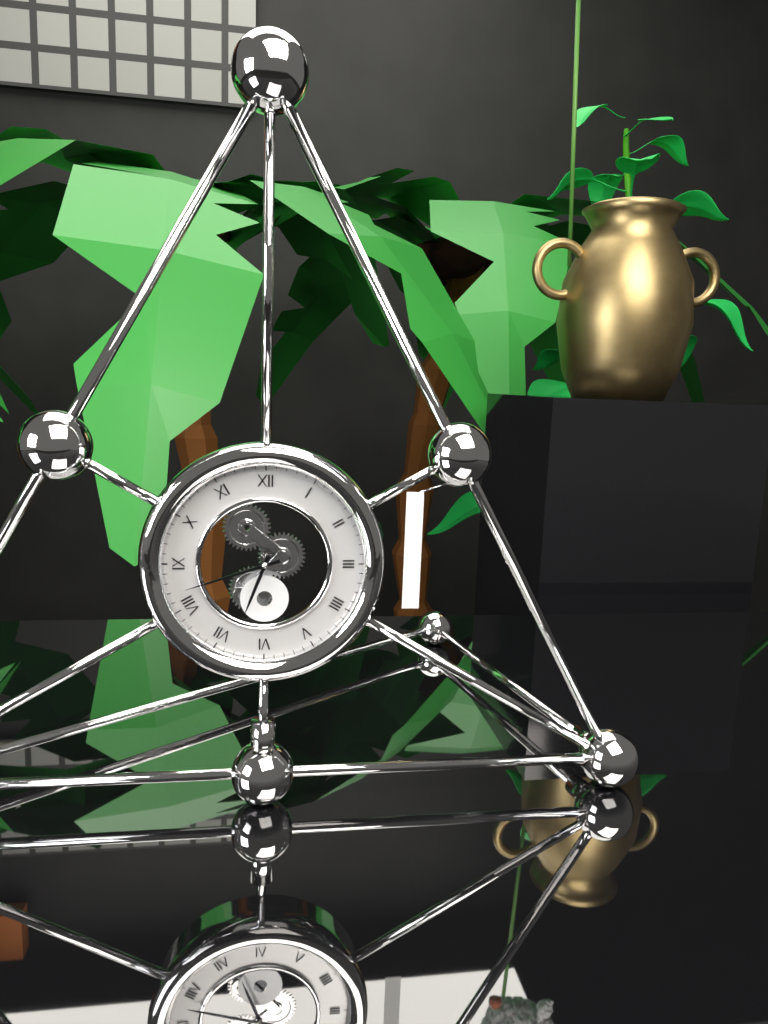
6:42
